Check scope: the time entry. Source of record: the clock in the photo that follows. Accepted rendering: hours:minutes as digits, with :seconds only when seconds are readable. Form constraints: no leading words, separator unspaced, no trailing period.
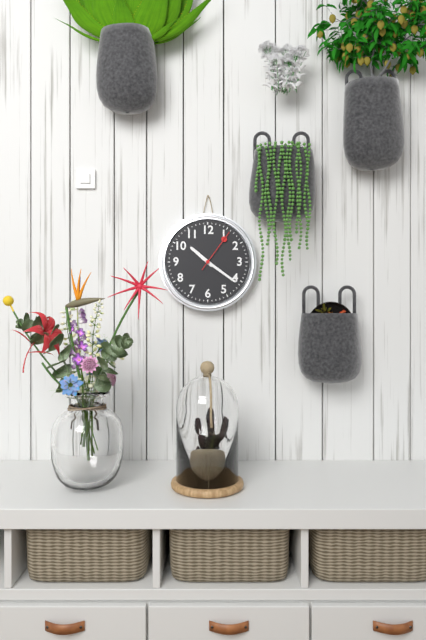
10:21
